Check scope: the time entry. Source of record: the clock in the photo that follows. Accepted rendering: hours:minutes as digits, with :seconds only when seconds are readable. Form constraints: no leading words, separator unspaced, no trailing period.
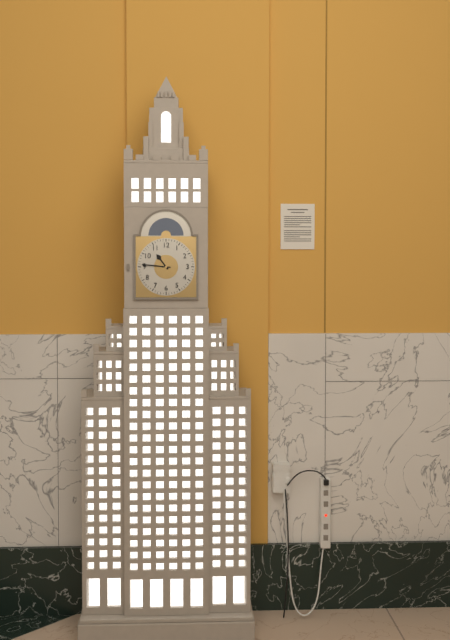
10:46
